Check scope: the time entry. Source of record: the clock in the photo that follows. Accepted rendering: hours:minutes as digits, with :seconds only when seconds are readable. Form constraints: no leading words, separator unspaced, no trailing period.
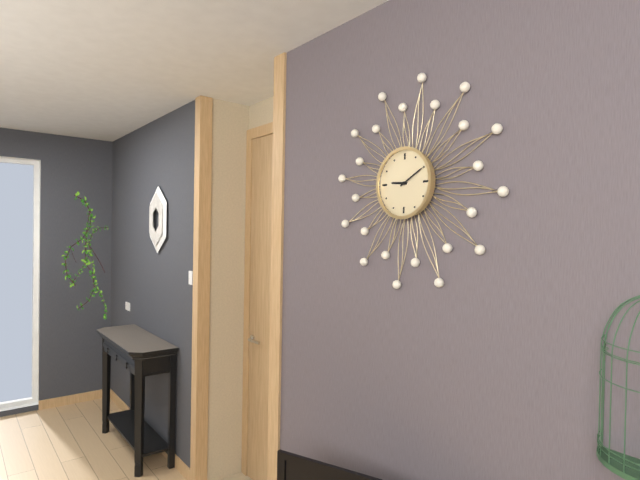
9:10
